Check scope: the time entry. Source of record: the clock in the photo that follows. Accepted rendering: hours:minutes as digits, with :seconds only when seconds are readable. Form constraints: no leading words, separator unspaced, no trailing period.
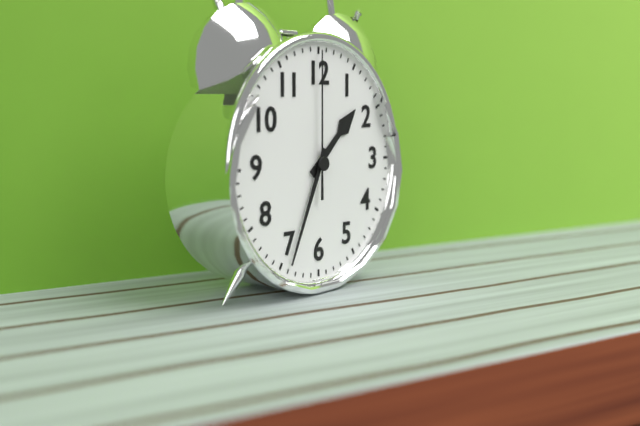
1:34:00
